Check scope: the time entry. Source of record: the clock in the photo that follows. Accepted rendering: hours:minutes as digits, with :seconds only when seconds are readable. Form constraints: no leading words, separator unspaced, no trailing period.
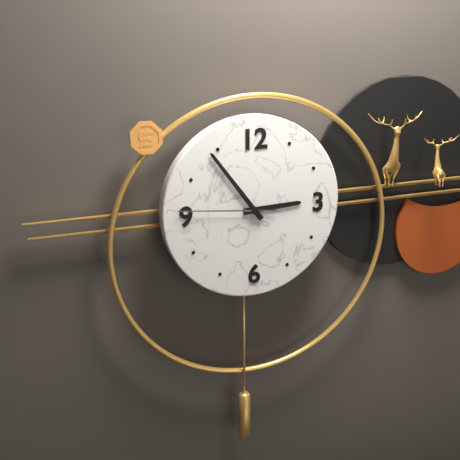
2:54:46
